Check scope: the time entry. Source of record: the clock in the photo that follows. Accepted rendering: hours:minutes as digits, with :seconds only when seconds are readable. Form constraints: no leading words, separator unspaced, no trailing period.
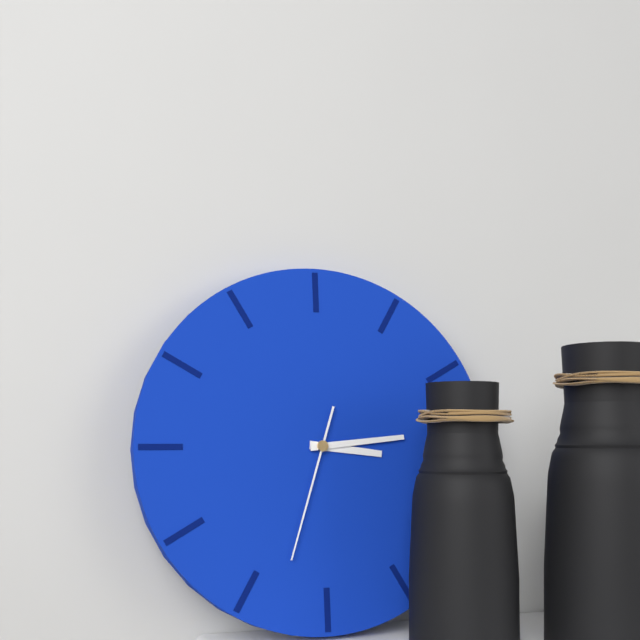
3:14:33
